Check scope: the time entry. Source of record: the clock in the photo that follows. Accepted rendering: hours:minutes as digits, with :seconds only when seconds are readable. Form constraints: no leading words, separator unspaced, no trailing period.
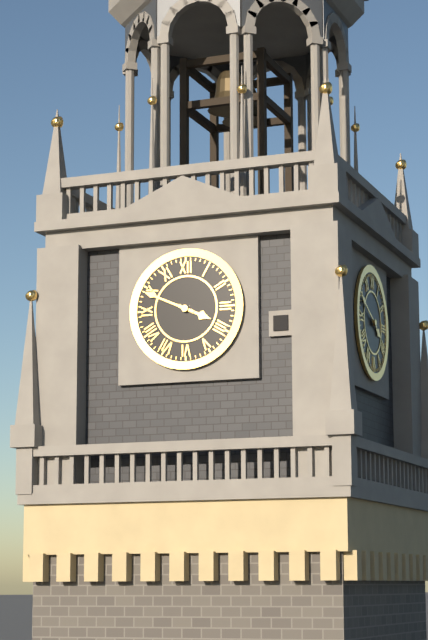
3:49
